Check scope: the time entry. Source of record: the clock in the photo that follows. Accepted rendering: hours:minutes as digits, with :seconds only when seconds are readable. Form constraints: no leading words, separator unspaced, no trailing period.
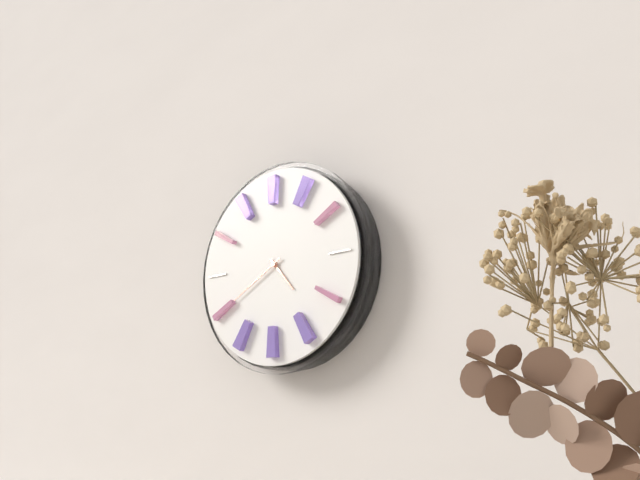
4:40
